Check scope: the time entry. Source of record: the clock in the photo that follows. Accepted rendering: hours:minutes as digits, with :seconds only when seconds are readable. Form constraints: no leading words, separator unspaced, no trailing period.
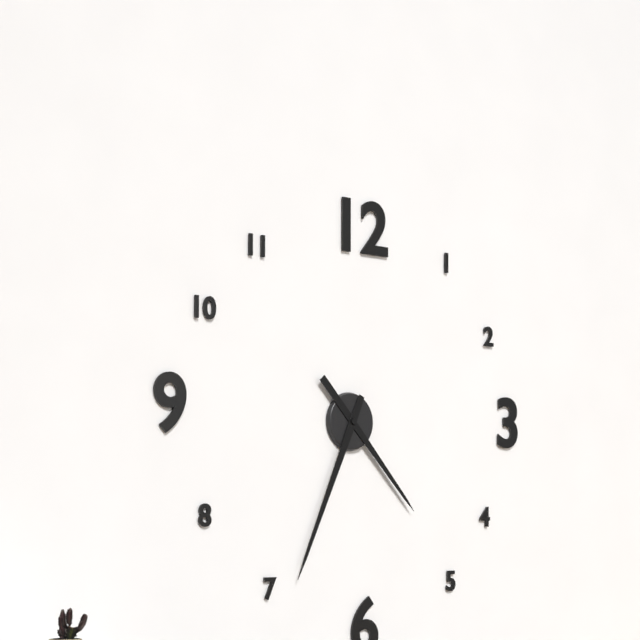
4:34
